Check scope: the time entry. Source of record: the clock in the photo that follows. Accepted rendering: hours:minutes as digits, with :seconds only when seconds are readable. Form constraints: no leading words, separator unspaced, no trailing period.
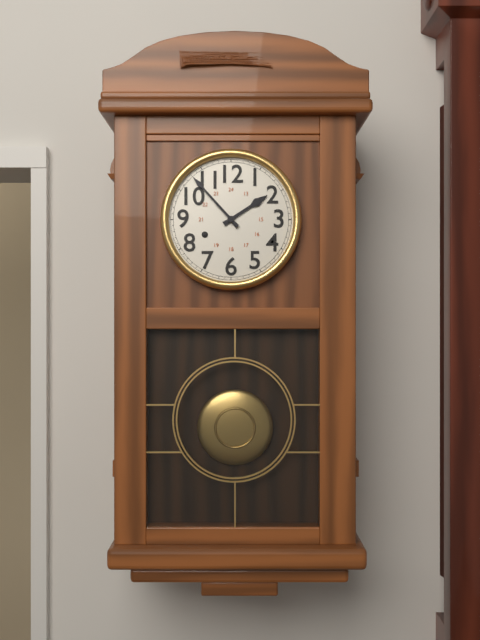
1:53
